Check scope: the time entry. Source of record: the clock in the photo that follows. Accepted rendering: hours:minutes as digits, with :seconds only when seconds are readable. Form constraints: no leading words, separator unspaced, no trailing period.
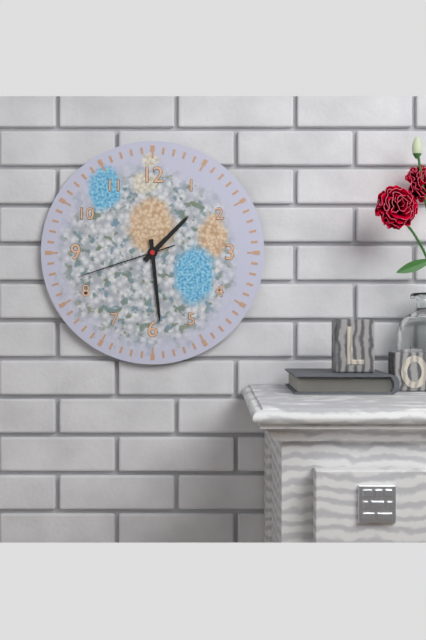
1:29:42
